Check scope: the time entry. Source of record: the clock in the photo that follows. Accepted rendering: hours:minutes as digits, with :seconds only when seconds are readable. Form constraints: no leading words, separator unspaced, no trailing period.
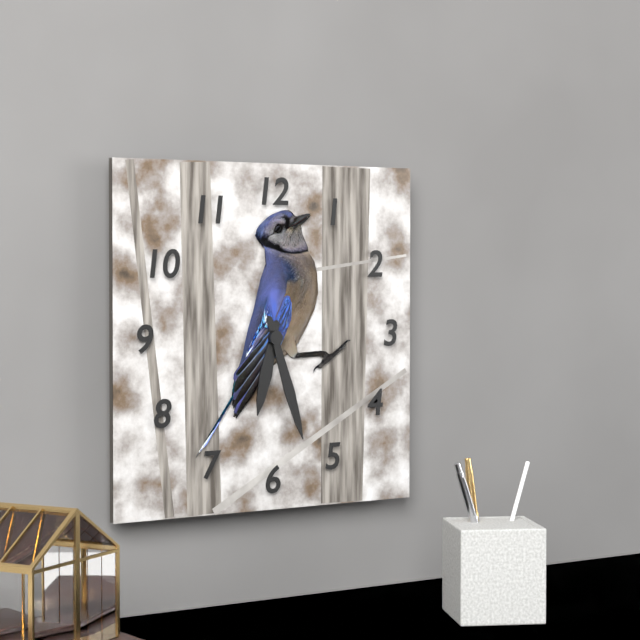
6:27
